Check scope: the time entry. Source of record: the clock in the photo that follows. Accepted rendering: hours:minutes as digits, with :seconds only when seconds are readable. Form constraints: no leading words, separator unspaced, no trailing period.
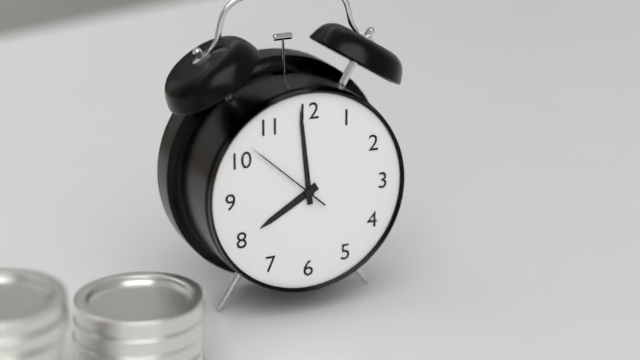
7:59:52
